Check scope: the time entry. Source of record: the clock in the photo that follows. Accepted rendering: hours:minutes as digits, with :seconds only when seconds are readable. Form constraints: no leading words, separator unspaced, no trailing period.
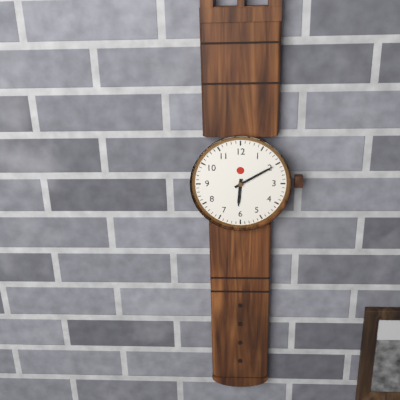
6:10
